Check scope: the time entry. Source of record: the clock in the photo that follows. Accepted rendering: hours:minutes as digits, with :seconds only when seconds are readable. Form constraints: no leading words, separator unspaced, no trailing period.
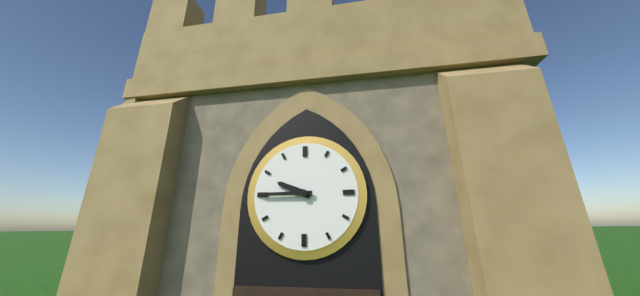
9:45
